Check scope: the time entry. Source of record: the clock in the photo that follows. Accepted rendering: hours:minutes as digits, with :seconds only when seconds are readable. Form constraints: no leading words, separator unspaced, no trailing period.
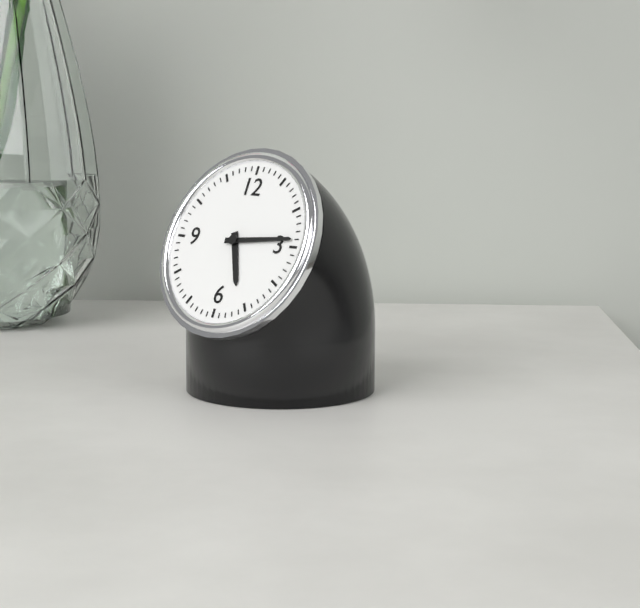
5:14
